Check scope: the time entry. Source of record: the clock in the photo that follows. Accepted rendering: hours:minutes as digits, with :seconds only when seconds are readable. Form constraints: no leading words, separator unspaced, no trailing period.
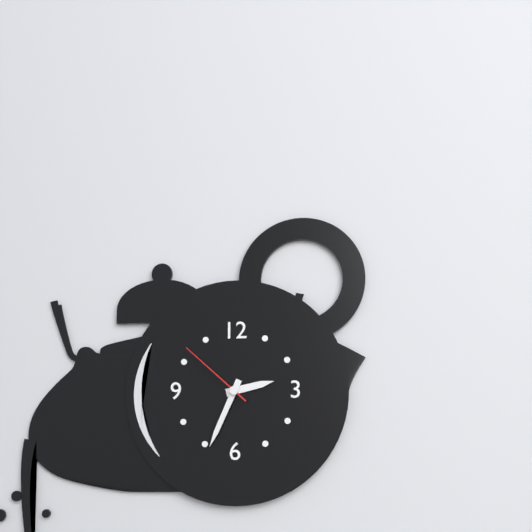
2:34:52
